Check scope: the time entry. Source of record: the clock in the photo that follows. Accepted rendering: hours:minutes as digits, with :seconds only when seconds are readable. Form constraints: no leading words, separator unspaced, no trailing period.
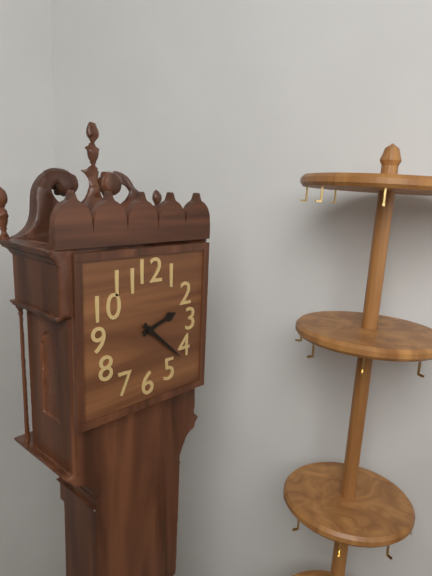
2:22
